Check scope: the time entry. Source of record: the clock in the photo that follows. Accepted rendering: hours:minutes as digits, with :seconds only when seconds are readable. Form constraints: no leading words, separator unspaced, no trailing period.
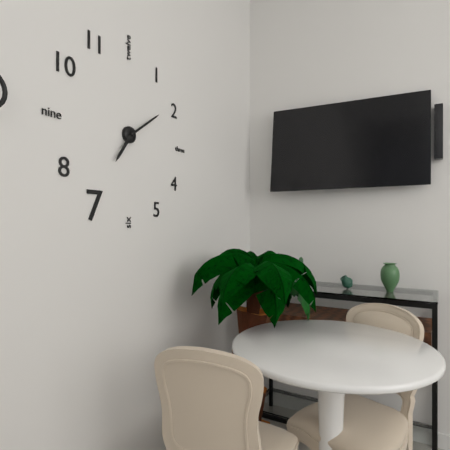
7:09
